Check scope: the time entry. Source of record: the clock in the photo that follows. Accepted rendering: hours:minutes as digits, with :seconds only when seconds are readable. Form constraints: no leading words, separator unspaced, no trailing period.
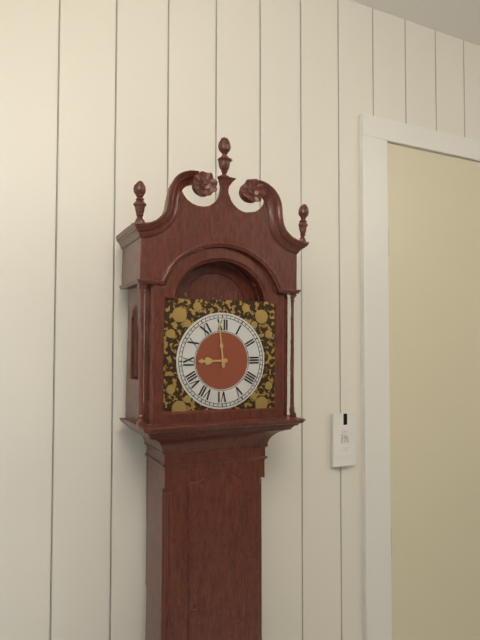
8:59
